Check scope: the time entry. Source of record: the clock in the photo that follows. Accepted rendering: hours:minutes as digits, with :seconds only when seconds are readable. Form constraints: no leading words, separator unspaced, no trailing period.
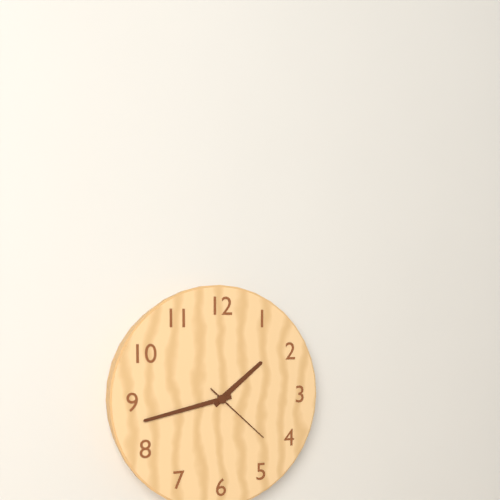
1:43:22
